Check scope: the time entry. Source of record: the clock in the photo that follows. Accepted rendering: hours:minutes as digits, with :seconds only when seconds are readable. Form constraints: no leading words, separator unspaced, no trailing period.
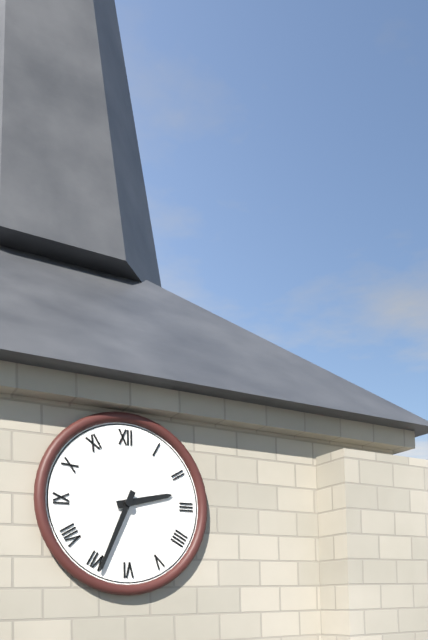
2:34
